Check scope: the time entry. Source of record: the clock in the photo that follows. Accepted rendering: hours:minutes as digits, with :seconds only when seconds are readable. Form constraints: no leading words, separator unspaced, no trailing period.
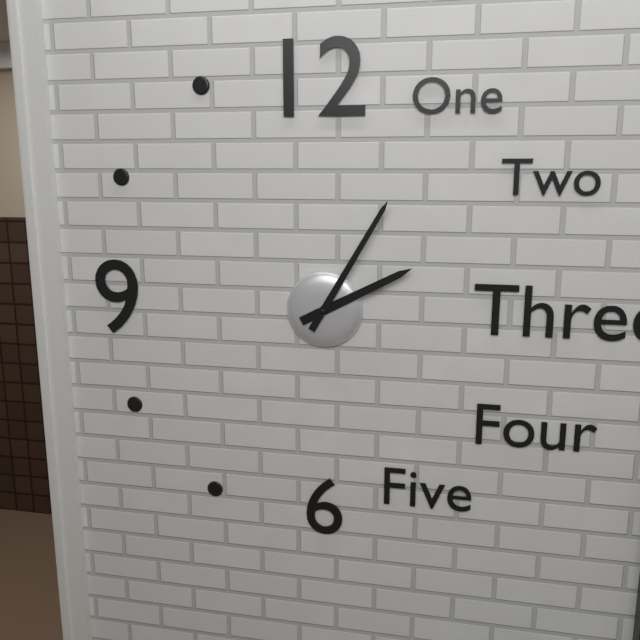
2:05
